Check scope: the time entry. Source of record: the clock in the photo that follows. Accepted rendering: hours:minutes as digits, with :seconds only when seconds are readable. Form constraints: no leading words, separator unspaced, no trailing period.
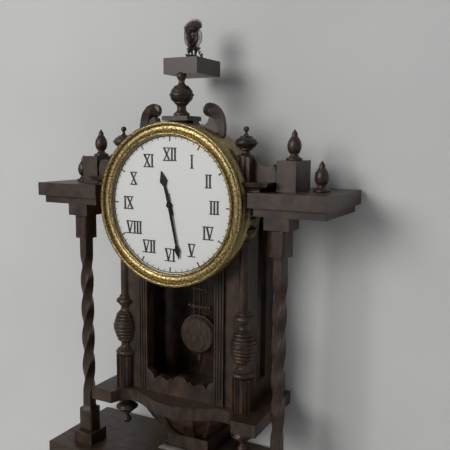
11:28
